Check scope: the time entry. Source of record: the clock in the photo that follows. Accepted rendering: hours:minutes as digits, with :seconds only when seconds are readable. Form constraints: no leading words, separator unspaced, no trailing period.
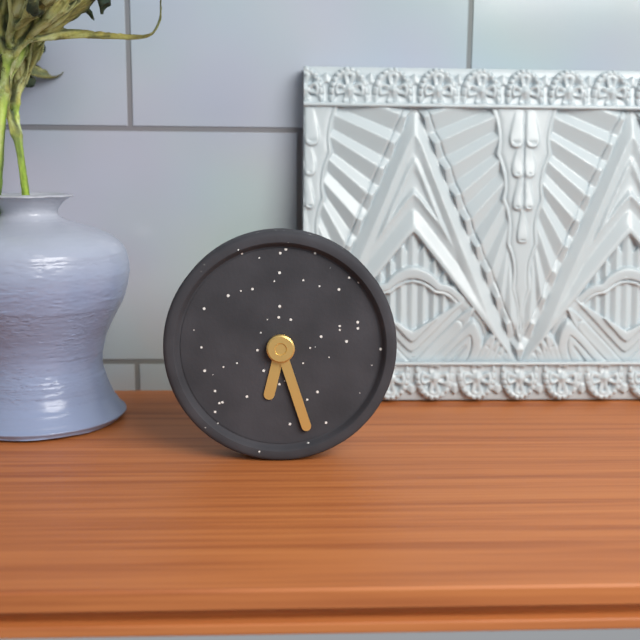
6:27
